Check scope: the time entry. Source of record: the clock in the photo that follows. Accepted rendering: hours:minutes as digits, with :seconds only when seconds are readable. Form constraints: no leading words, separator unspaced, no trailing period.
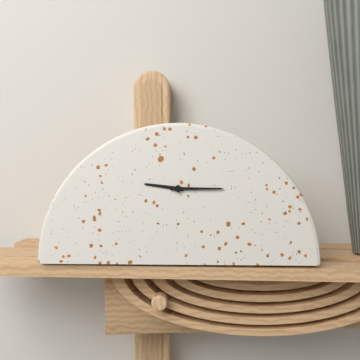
9:15
